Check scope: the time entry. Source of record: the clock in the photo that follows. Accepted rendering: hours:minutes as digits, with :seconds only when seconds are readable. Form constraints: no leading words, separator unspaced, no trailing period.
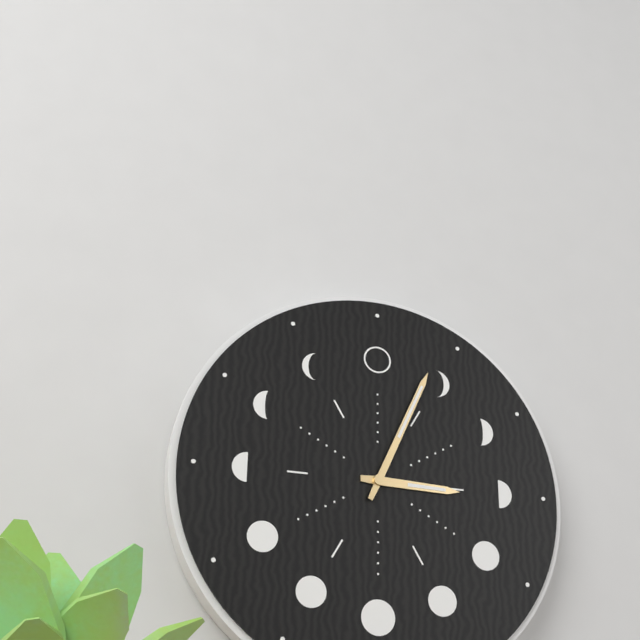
3:04
